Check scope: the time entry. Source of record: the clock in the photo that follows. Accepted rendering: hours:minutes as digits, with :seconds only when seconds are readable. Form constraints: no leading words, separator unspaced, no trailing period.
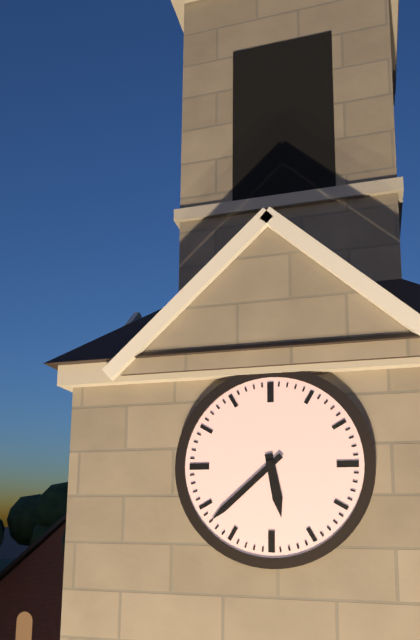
5:38
